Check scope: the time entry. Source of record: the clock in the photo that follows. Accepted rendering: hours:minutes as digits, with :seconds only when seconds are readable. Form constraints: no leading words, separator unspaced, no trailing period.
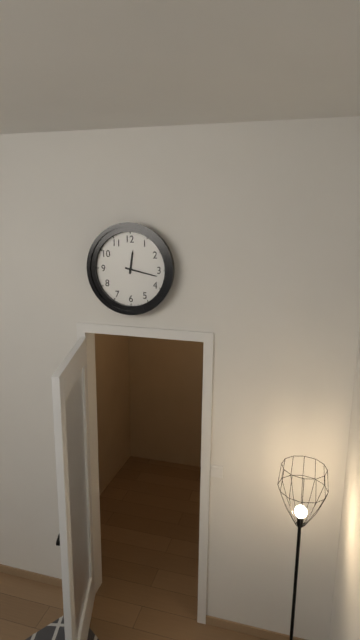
12:17
